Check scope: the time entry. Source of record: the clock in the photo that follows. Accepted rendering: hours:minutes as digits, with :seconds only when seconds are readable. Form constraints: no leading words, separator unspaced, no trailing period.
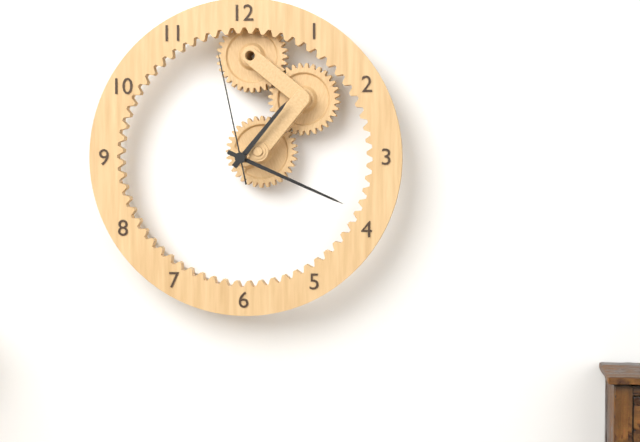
1:19:58
